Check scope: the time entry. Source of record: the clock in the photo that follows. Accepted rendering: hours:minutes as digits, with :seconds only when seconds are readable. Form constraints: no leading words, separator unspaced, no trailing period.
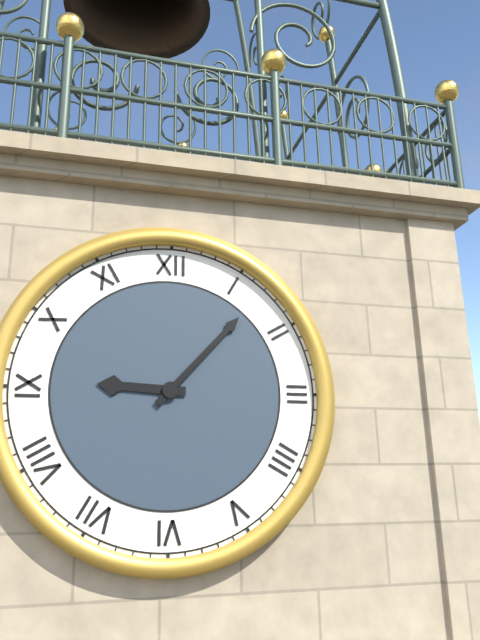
9:07
